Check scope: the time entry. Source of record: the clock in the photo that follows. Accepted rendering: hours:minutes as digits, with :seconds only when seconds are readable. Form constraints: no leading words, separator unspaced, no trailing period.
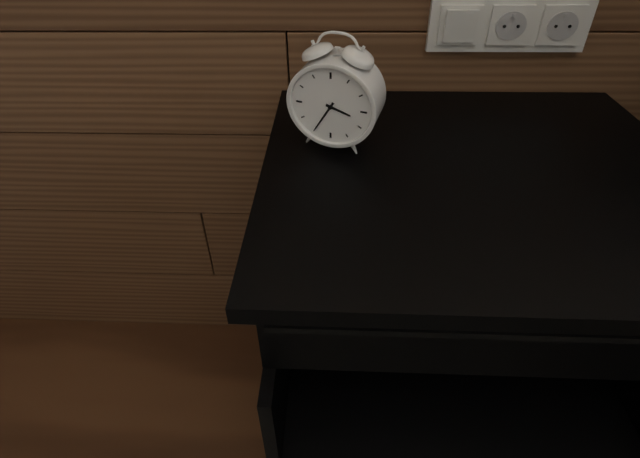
3:35
